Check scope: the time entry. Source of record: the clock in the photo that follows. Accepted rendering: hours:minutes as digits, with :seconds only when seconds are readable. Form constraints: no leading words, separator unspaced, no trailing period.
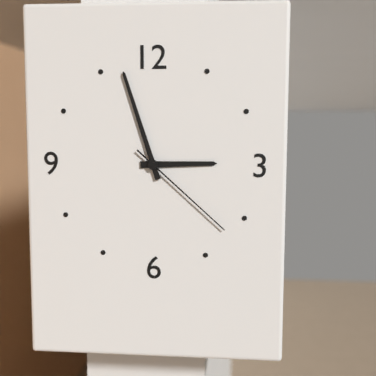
2:57:22
